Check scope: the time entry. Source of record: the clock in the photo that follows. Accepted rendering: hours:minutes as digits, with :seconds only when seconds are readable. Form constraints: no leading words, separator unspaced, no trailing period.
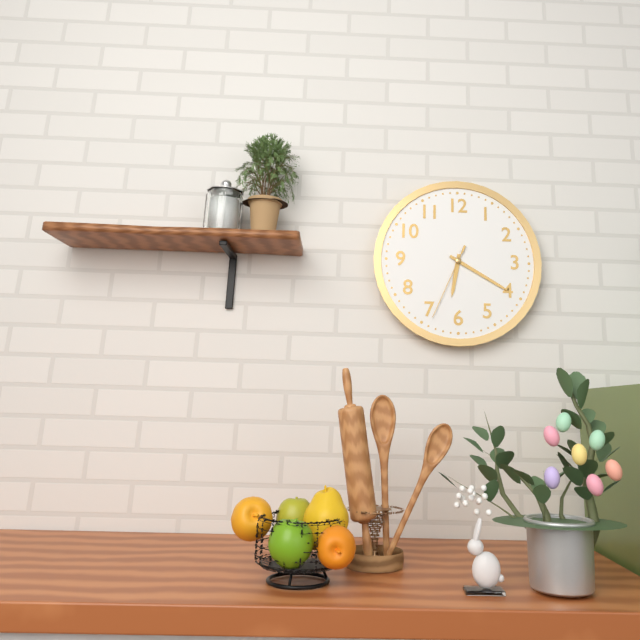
6:20:34
